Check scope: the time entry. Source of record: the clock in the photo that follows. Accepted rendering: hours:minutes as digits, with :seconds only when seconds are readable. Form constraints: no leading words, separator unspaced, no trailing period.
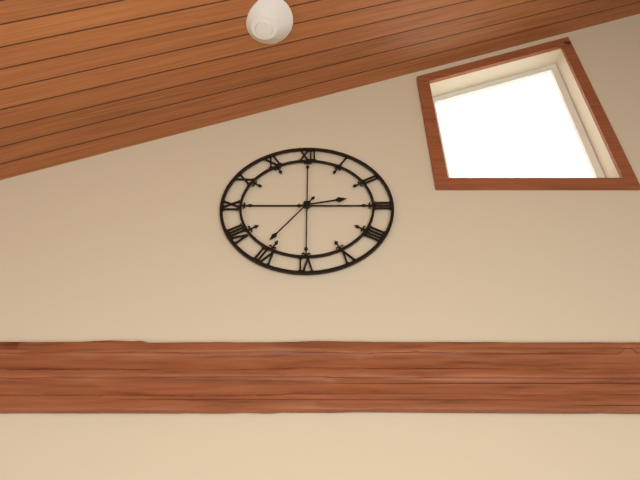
2:36
